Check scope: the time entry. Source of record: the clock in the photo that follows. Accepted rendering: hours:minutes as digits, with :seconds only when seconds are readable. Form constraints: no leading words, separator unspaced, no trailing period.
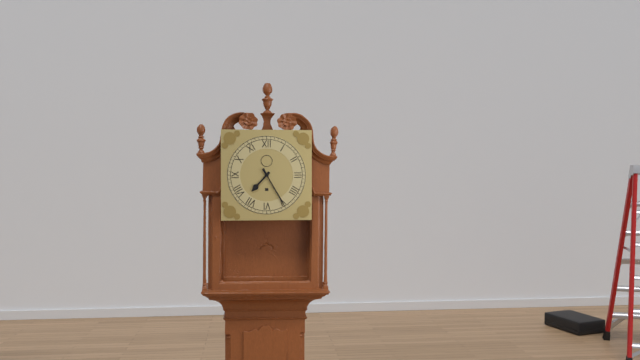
7:25
